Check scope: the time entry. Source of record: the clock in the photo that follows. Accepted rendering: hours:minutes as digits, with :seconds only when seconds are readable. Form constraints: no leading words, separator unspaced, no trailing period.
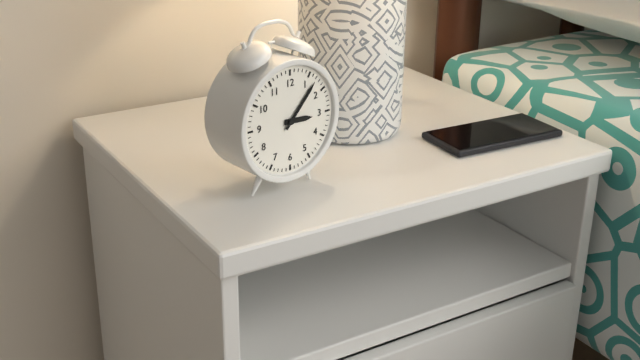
3:07
